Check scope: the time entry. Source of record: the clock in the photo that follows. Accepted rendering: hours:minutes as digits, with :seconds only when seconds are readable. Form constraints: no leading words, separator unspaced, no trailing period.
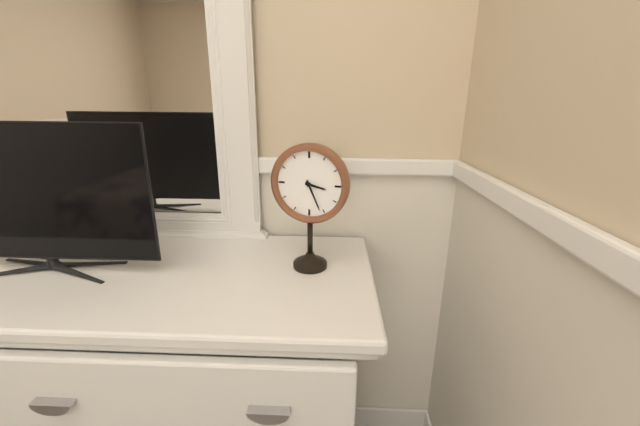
3:26
